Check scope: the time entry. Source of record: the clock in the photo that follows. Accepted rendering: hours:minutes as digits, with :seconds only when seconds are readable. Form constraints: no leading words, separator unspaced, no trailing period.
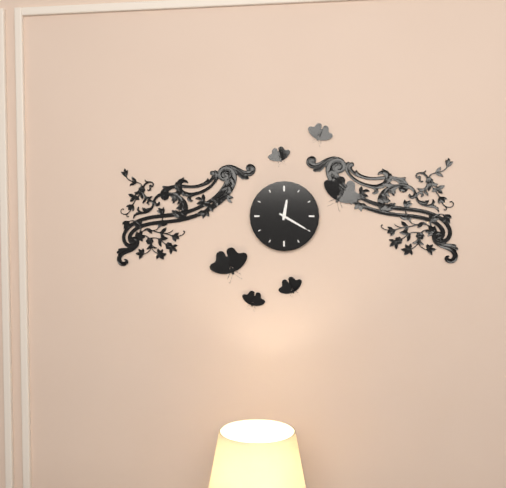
12:20
